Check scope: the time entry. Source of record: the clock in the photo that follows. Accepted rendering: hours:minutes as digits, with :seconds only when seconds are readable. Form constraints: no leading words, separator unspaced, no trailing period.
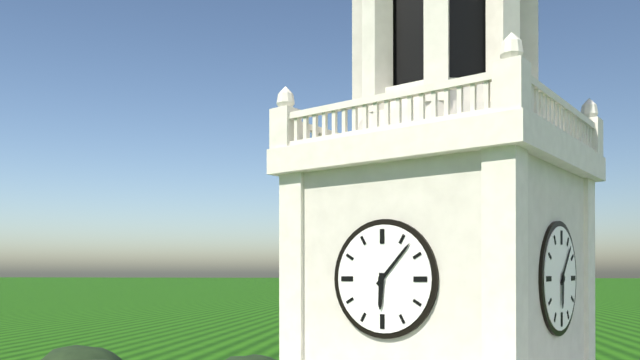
6:07
